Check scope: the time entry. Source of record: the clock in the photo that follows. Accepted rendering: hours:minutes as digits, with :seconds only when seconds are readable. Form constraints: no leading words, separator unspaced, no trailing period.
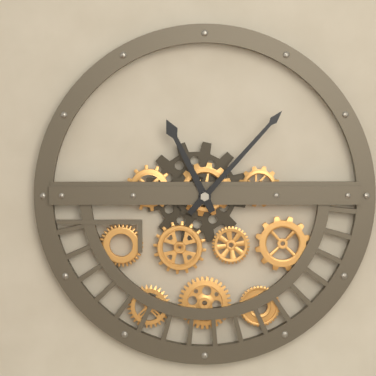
11:07
